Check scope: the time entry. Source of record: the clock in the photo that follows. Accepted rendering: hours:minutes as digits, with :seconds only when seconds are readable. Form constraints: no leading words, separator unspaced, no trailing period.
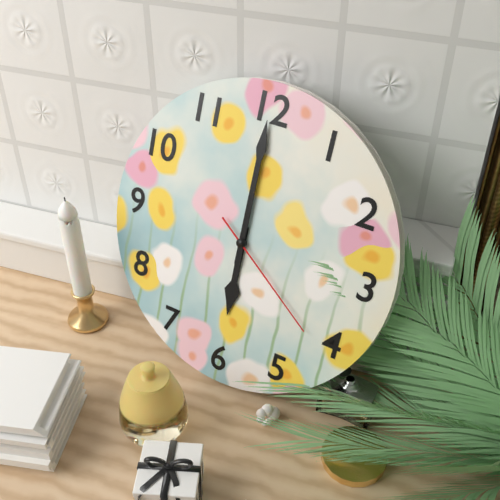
6:00:21
